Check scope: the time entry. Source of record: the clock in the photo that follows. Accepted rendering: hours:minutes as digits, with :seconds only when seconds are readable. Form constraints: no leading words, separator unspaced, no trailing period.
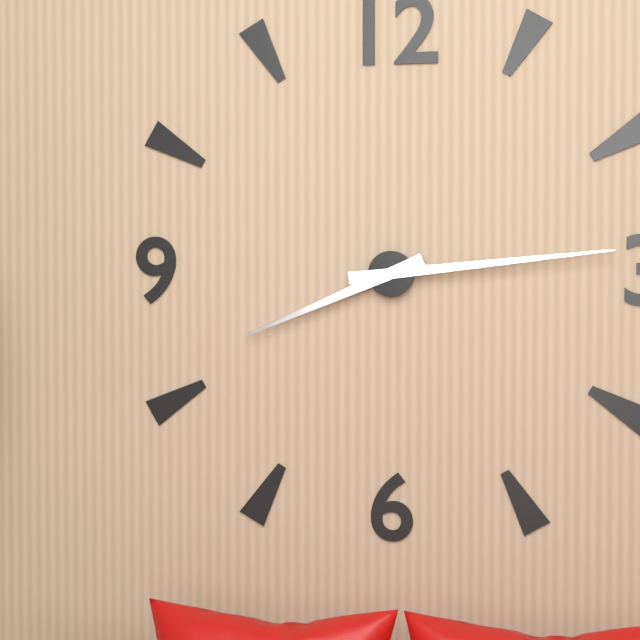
8:14
